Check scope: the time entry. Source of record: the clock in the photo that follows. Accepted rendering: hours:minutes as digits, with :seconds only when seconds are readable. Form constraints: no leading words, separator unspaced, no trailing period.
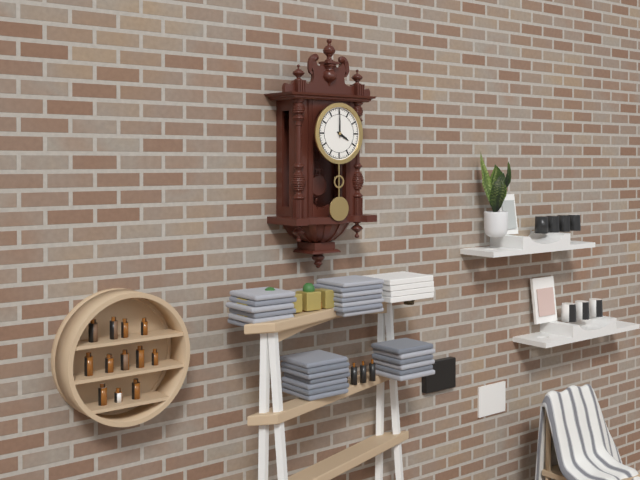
4:00
